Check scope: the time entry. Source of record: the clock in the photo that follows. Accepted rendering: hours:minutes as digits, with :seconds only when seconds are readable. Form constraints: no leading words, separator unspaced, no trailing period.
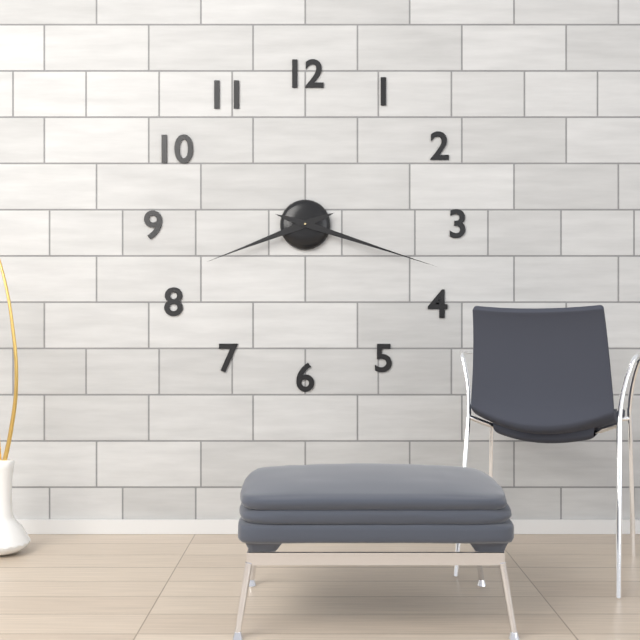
8:18
